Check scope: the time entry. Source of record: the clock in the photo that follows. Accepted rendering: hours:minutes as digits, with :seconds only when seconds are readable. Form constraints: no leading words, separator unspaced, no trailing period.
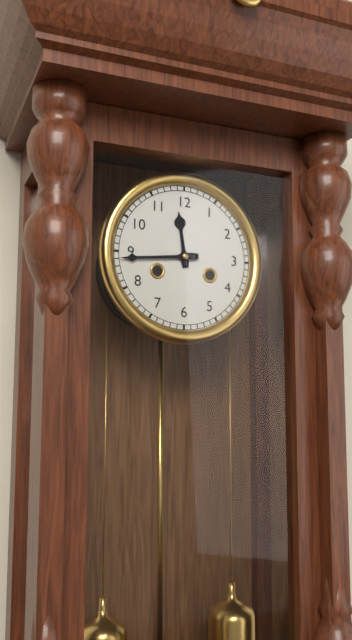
11:44
